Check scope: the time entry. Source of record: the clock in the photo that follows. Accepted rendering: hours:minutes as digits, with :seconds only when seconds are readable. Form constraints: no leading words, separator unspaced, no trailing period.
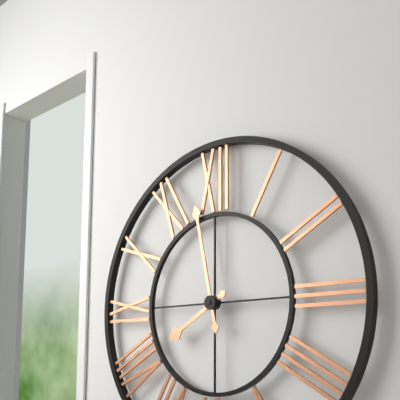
7:58
